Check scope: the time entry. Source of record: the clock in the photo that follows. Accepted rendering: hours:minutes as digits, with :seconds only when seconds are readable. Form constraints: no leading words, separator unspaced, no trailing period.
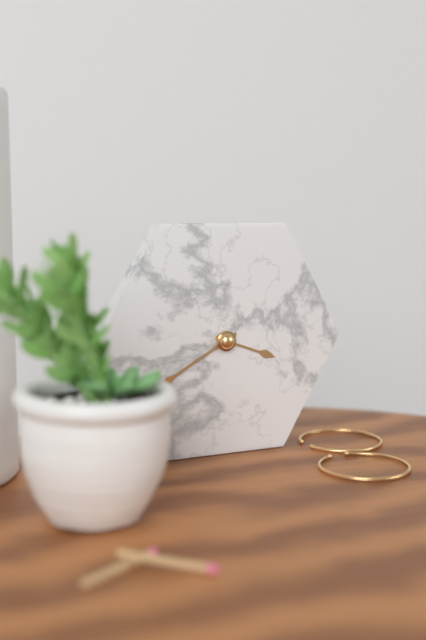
3:40
